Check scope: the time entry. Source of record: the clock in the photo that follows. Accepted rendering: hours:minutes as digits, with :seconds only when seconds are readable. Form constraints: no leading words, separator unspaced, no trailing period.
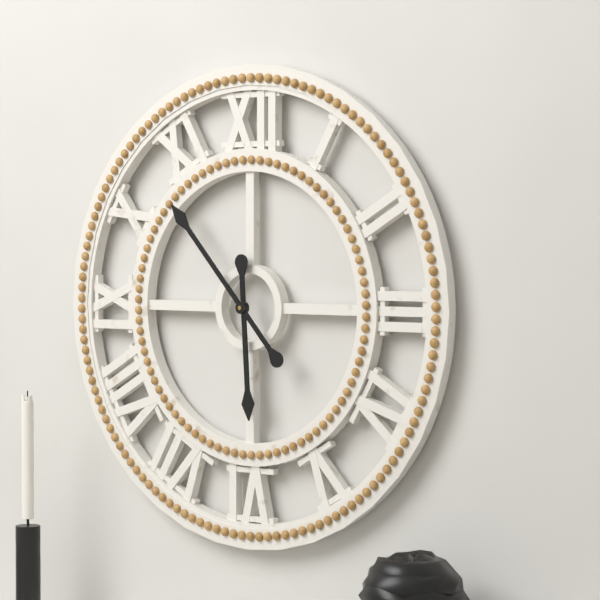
5:53
